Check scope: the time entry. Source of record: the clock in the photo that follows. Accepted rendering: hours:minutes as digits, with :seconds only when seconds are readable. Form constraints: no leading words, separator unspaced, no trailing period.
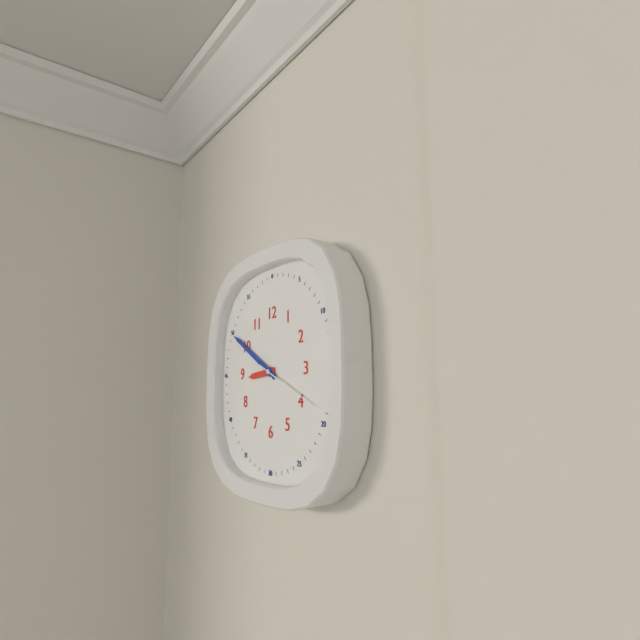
8:50:19
